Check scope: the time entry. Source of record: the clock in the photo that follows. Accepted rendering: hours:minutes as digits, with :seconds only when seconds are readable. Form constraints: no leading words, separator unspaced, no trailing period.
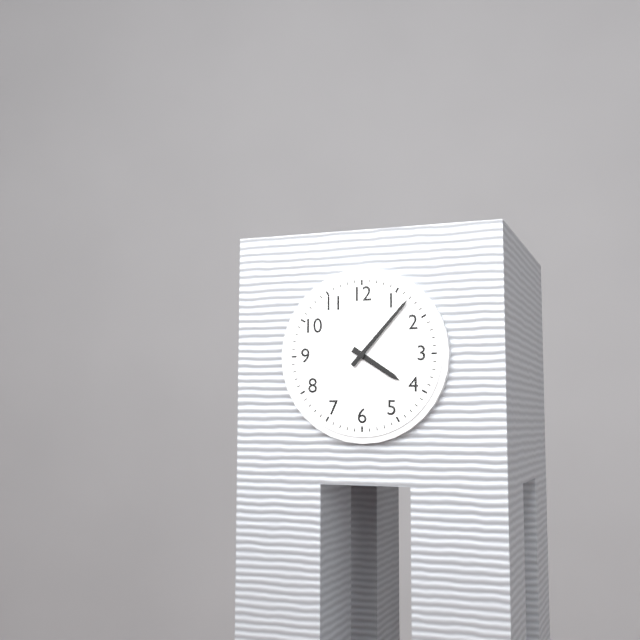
4:07
